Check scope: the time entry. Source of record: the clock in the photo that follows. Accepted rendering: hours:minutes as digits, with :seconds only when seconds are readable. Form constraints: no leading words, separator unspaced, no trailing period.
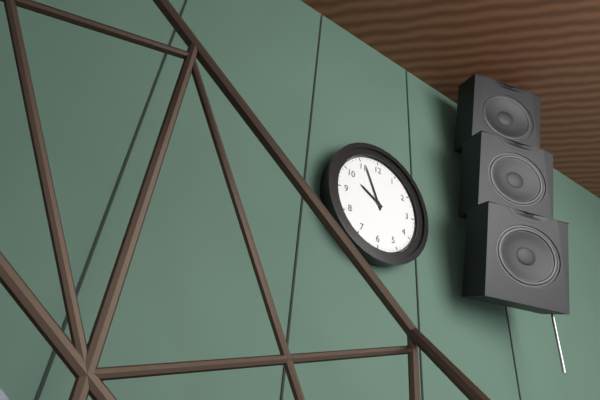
9:56
